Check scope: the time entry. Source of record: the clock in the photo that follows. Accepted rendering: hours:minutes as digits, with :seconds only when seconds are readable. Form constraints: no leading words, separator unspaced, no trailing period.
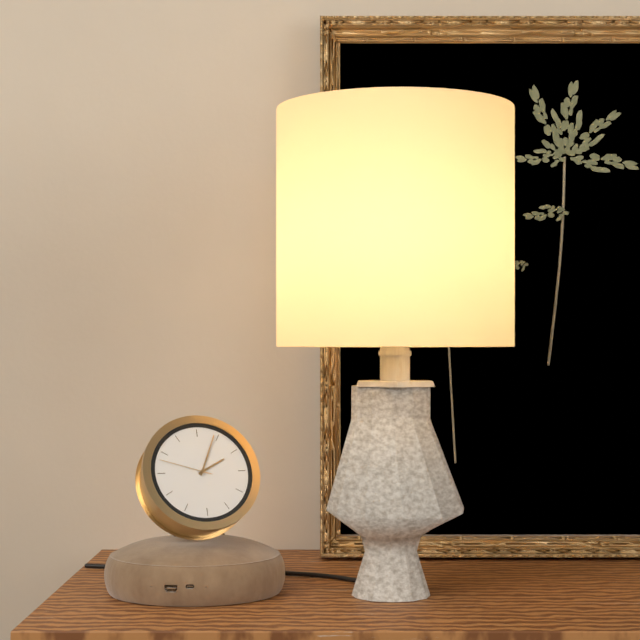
2:04:48
